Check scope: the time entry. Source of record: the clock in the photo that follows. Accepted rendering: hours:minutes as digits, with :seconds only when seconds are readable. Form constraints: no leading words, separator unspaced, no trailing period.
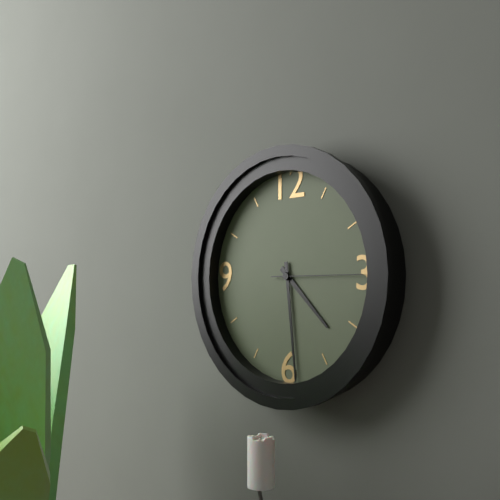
4:29:15
